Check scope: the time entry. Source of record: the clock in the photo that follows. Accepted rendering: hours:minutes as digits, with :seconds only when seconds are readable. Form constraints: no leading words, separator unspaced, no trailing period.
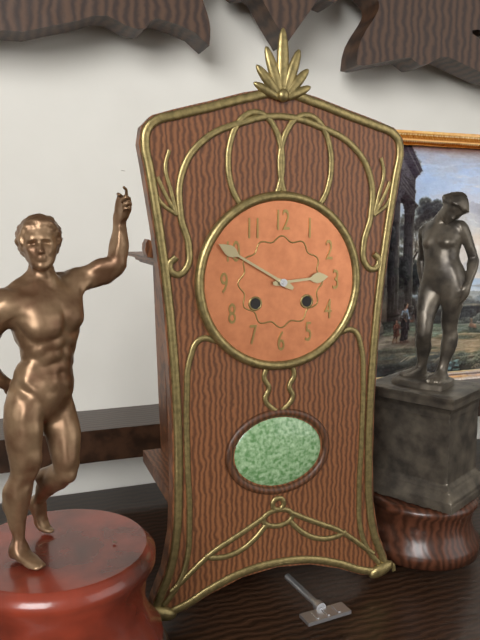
2:50
